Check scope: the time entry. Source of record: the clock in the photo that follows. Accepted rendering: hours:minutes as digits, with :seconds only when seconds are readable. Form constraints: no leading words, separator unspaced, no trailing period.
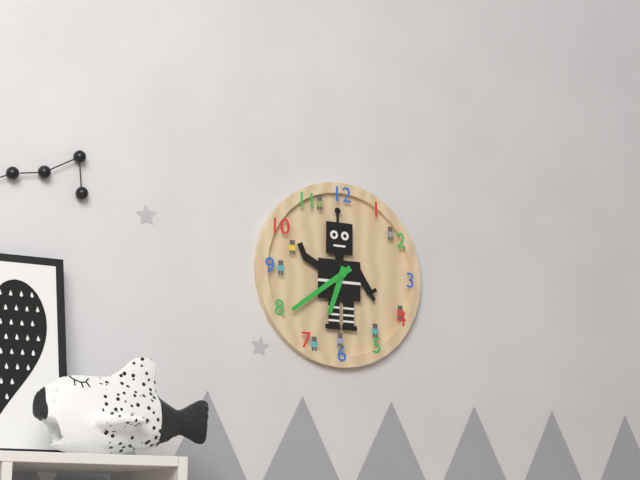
6:39
